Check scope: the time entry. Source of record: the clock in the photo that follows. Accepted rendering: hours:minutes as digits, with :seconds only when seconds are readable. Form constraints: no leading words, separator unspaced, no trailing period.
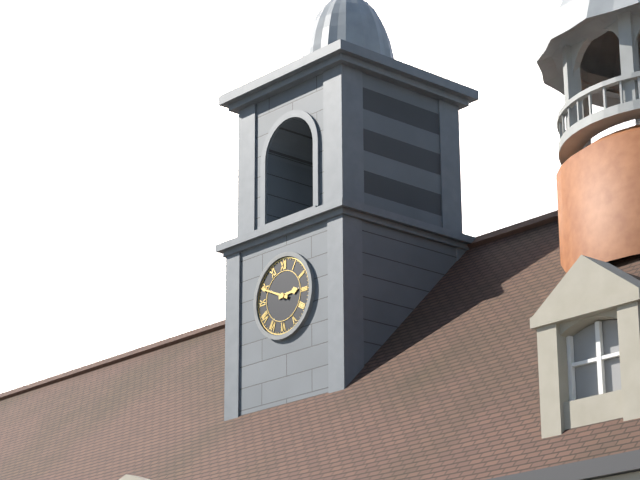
2:49
